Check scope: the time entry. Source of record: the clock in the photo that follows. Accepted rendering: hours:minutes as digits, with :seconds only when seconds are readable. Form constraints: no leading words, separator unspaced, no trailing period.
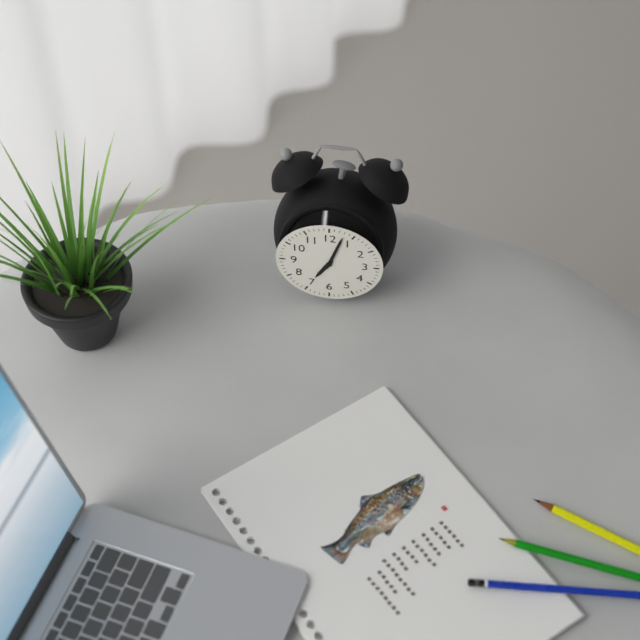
7:03
